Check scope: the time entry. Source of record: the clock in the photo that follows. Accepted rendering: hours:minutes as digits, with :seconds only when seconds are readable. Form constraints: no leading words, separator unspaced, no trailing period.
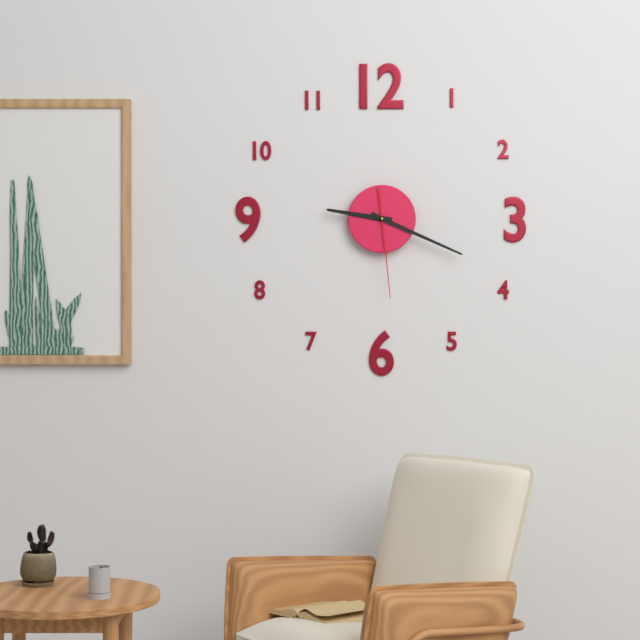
9:19:29
